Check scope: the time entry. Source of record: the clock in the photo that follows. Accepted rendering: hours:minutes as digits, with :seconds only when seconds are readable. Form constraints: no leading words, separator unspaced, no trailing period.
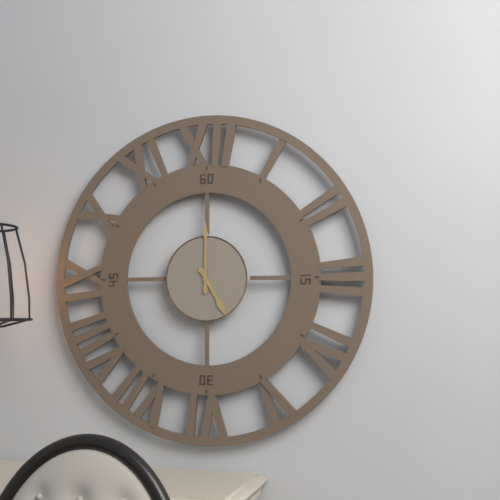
5:00
